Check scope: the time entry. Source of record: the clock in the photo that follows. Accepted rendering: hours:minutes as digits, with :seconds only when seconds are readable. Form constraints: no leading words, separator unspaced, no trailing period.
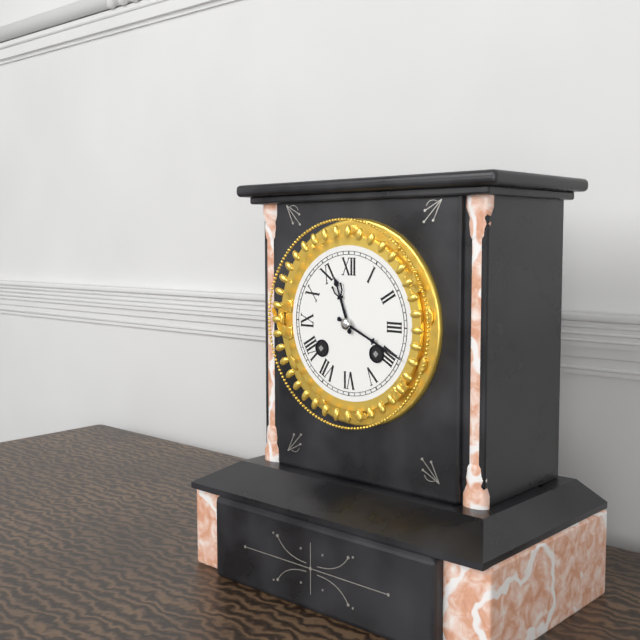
11:19
